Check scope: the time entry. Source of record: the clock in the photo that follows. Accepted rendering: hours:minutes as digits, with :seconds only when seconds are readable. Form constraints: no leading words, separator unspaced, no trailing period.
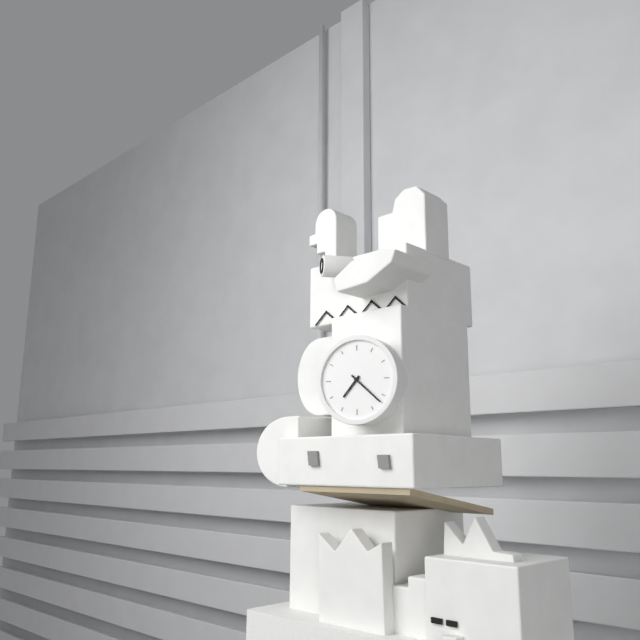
7:22
